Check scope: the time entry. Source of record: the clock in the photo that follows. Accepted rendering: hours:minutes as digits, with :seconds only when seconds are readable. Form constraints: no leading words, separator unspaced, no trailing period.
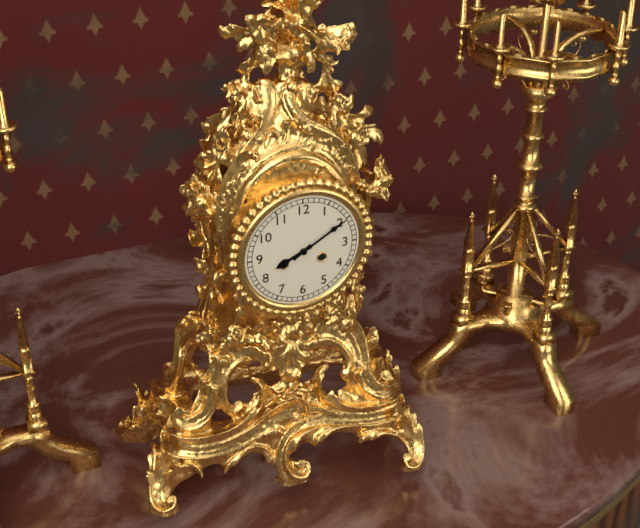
8:10
